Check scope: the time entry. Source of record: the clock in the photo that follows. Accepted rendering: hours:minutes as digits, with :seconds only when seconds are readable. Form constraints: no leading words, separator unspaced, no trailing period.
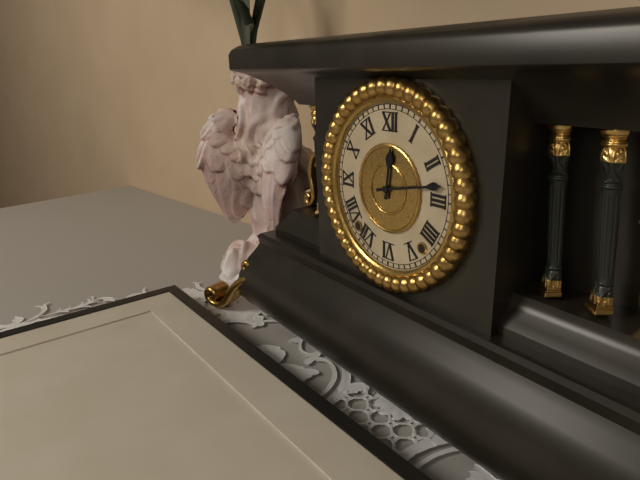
12:13
